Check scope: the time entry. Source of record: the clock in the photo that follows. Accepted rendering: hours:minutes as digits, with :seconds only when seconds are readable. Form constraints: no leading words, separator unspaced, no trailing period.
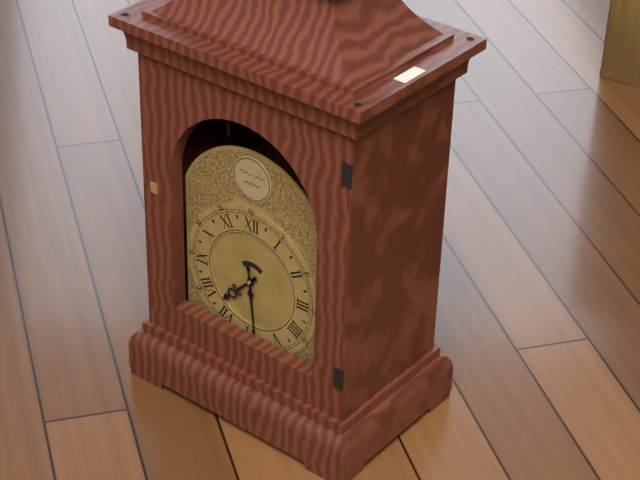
7:29
